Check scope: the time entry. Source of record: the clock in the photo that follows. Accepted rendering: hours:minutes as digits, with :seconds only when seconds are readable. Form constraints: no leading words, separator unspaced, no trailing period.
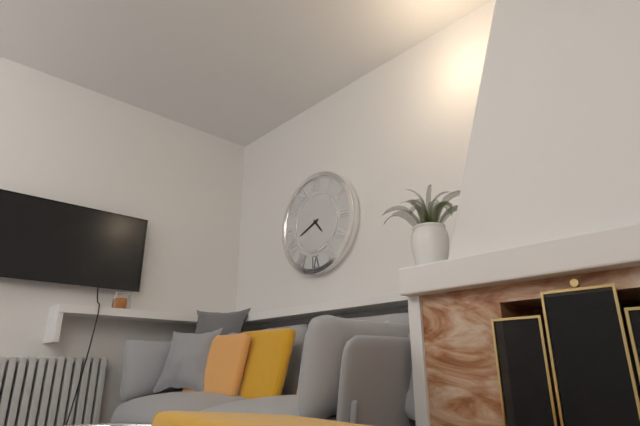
4:41
